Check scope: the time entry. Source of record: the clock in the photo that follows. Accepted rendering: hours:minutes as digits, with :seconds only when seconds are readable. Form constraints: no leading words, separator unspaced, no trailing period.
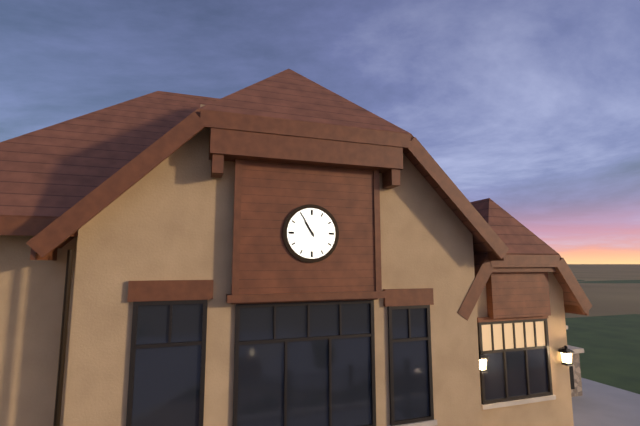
10:55
